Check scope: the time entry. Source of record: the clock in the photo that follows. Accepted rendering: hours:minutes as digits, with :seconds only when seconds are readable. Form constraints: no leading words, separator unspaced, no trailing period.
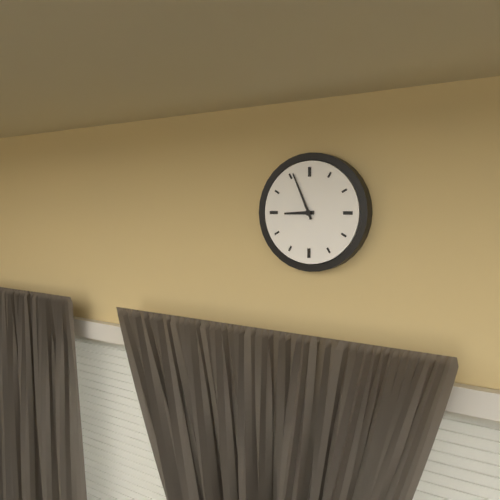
8:56
